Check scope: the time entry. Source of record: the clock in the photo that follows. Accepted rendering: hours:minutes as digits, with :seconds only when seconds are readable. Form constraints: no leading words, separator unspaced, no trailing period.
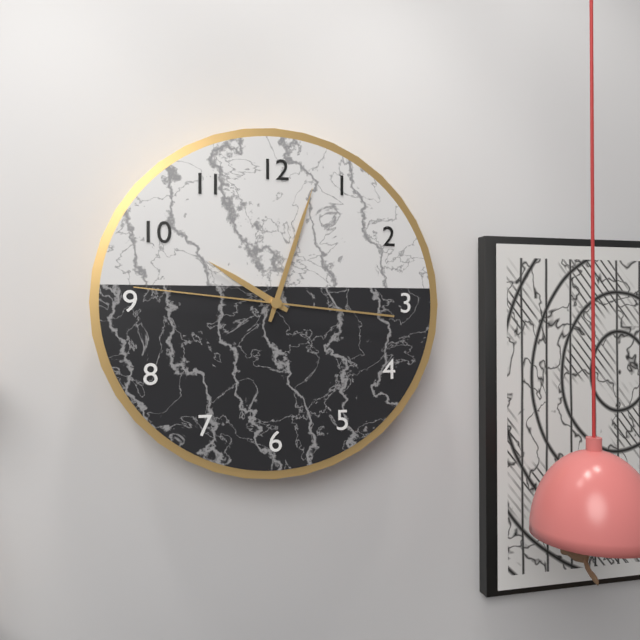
10:03:46
